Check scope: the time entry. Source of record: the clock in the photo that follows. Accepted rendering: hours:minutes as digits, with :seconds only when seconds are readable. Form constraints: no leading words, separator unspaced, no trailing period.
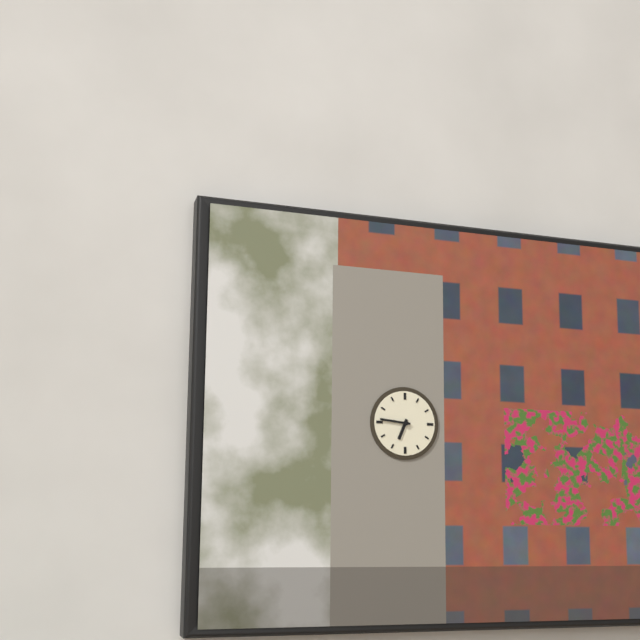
6:46
